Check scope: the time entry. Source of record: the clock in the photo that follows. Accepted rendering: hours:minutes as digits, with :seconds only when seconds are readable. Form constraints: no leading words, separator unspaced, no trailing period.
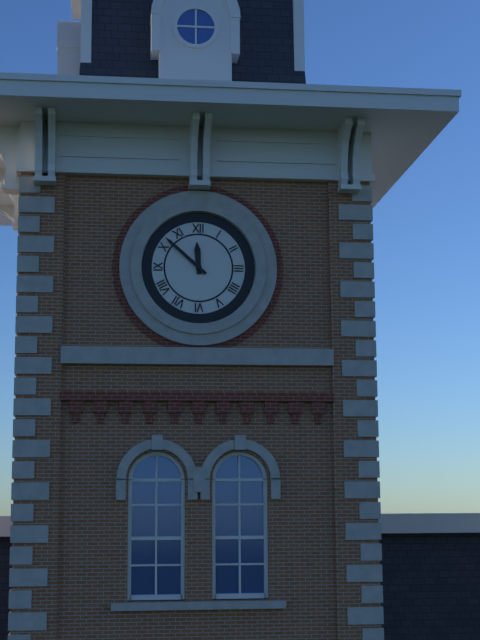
11:52
